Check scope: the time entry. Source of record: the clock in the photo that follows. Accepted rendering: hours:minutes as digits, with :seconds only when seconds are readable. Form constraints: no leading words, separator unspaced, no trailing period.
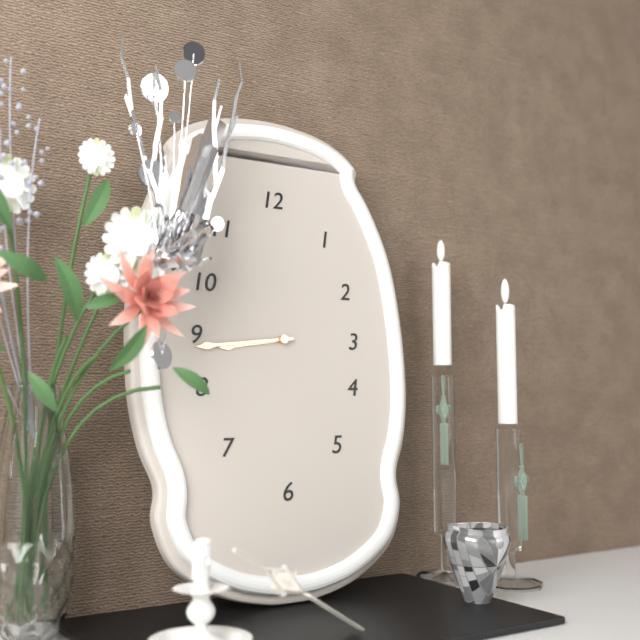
8:44
